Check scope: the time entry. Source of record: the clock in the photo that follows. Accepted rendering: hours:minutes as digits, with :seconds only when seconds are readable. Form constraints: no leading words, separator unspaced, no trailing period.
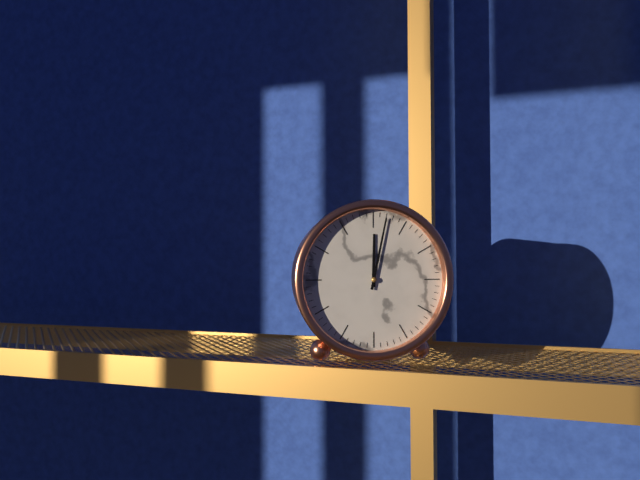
12:02
